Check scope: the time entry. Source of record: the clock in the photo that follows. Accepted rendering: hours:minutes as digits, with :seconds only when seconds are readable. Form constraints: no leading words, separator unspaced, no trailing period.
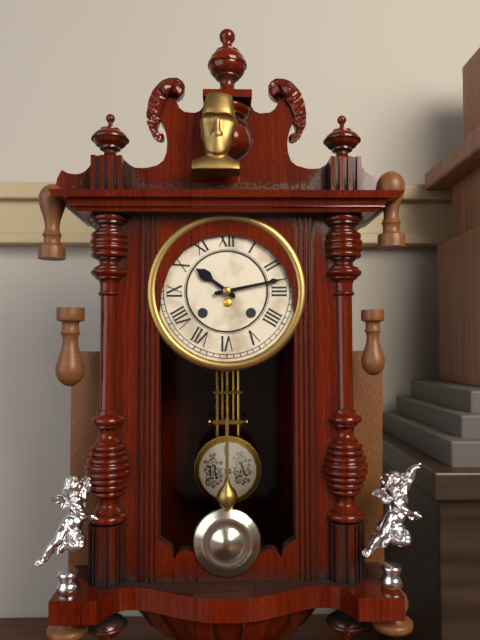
10:13
